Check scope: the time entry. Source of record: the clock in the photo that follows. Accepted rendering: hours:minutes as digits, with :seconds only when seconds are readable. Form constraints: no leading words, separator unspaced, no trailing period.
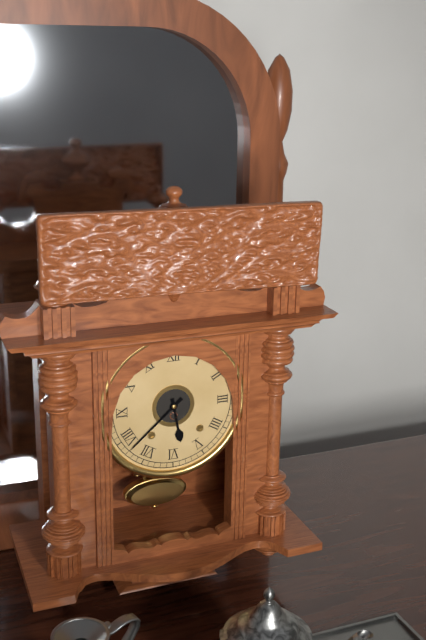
5:38
